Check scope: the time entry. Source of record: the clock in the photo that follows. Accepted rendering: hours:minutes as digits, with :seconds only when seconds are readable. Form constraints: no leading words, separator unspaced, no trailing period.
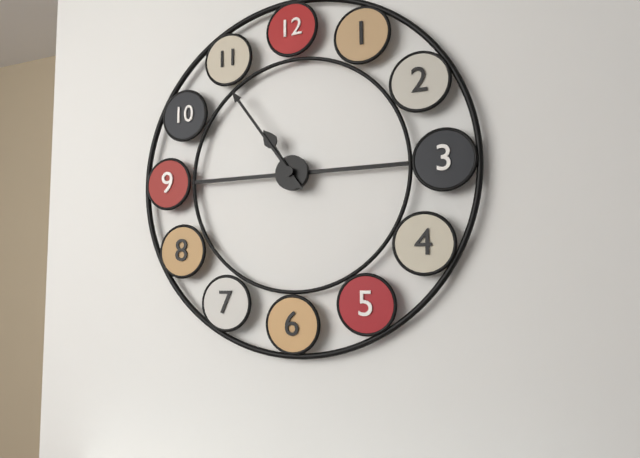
10:54
